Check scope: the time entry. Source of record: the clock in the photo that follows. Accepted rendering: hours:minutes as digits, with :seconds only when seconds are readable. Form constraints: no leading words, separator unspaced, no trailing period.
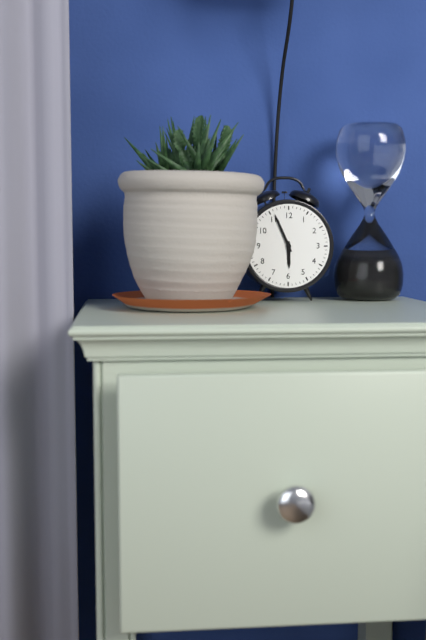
5:56
